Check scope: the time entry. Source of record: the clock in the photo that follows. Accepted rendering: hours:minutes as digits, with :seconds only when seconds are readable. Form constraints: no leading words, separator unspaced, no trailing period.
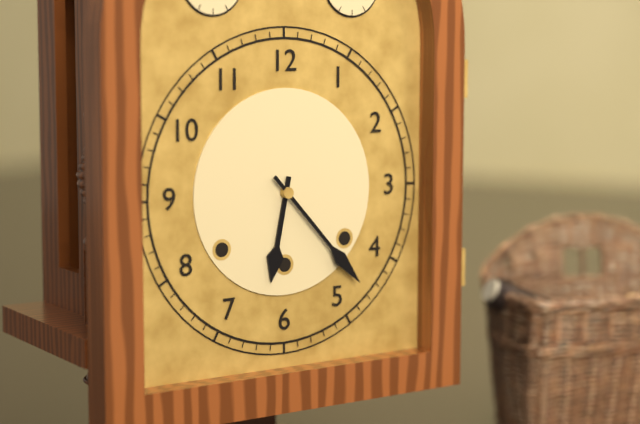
6:23
